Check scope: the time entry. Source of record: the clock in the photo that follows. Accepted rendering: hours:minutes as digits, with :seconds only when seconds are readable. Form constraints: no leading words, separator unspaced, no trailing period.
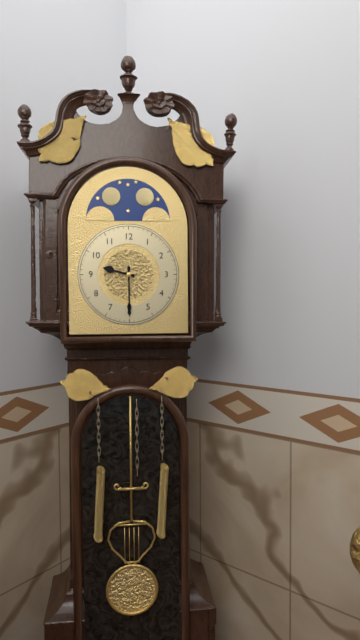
9:30
